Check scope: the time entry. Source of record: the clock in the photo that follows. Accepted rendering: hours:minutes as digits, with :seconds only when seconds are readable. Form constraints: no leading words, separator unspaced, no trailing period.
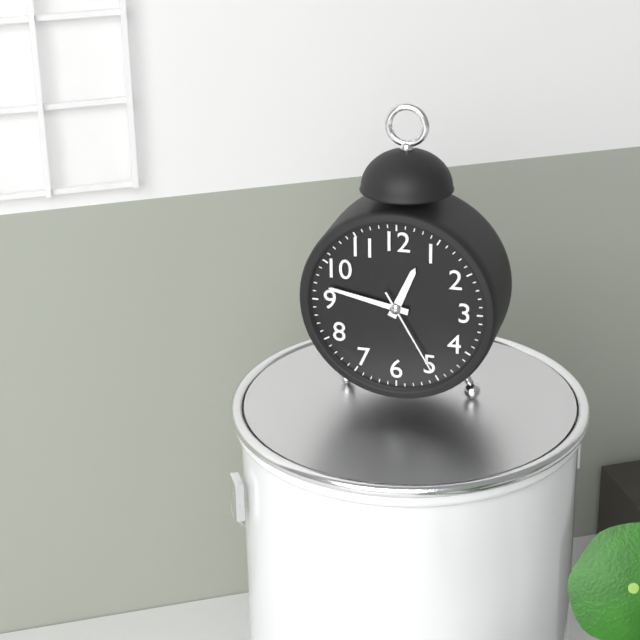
12:47:25
